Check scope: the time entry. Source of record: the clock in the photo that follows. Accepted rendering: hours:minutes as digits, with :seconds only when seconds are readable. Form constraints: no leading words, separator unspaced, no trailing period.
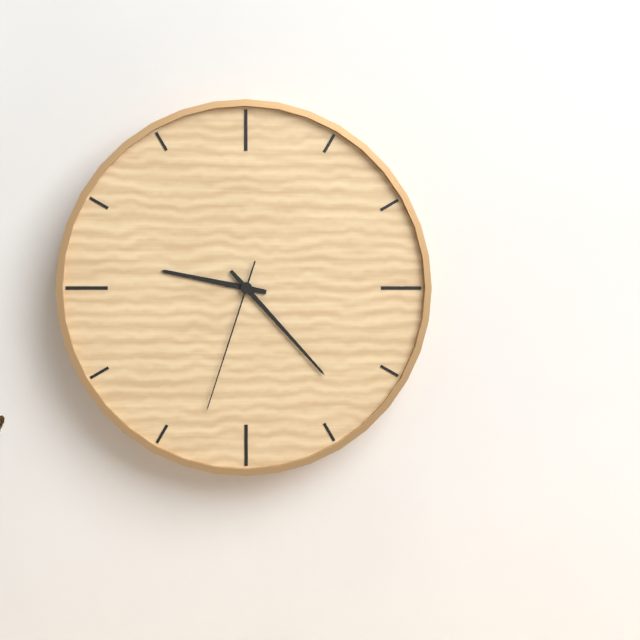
9:23:33
